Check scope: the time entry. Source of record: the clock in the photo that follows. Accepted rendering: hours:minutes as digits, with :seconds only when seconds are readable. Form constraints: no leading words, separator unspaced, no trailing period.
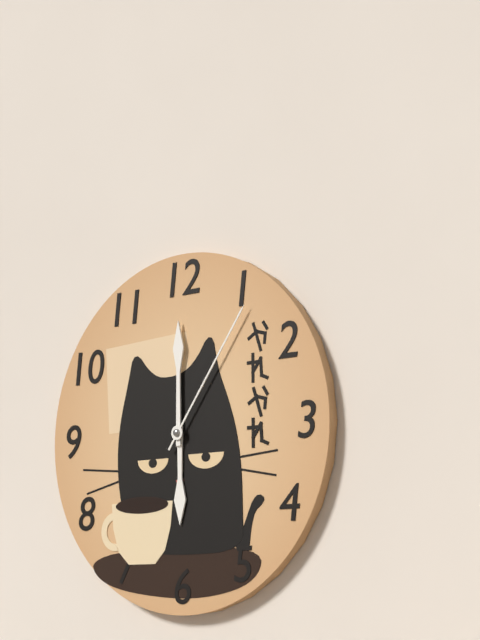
6:00:06
